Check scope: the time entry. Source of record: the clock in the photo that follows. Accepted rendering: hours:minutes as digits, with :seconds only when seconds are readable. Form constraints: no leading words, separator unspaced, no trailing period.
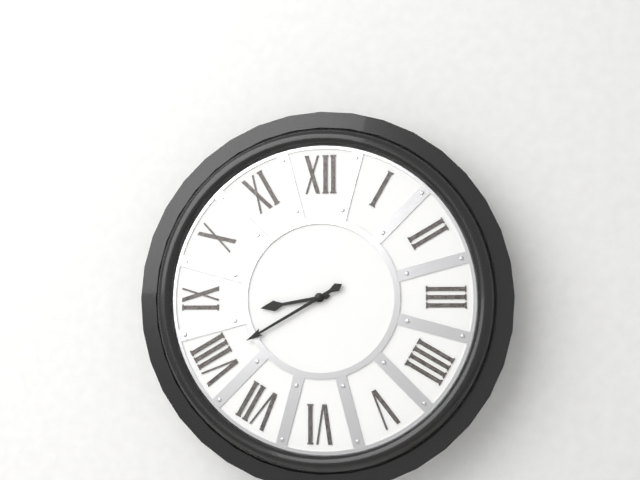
8:40
